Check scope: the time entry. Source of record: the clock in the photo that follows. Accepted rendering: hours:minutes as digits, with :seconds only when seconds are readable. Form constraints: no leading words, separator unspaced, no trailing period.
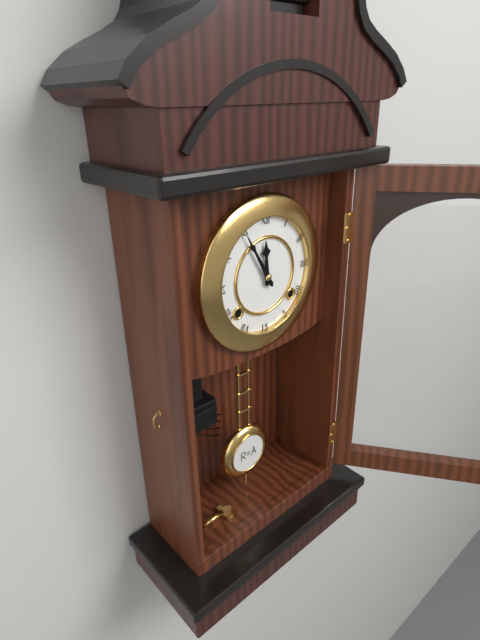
11:55
